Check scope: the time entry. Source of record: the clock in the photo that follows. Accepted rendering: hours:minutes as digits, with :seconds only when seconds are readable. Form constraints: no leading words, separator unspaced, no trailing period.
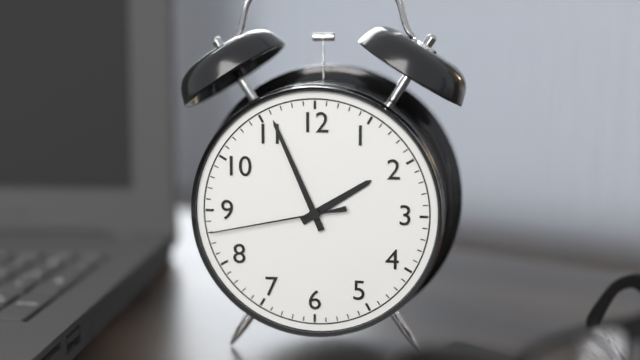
1:56:43
